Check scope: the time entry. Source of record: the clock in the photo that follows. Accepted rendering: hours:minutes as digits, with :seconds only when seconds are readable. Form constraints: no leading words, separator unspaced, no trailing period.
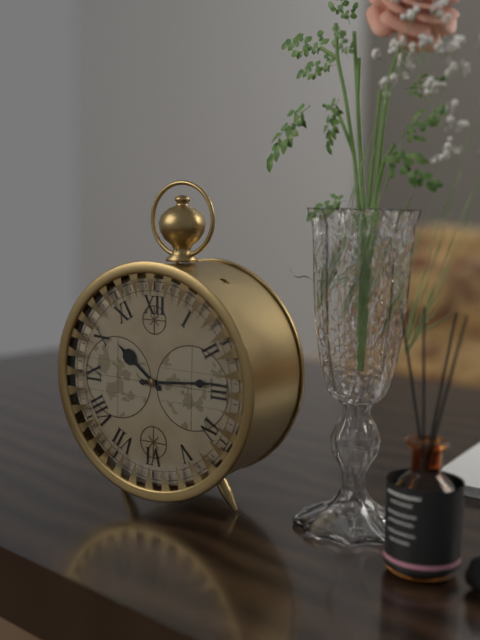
10:14
